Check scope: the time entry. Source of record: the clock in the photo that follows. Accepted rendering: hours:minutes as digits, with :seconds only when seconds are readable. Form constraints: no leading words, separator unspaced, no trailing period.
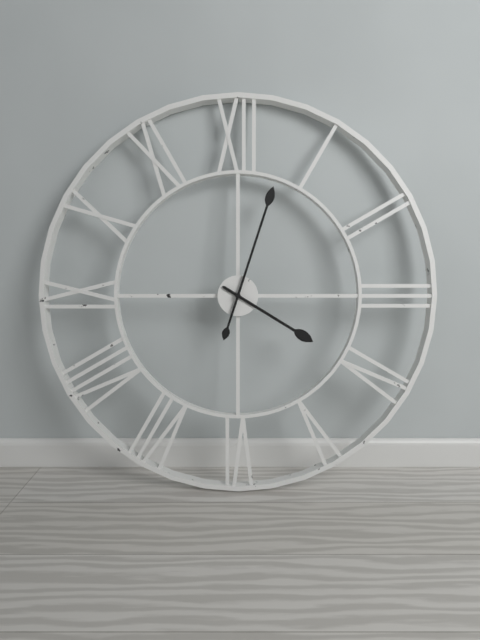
4:03
